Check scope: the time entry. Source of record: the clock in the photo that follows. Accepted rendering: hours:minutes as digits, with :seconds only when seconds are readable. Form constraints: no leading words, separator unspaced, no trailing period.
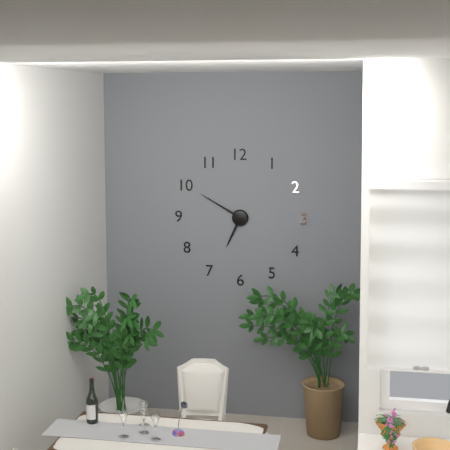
6:50
